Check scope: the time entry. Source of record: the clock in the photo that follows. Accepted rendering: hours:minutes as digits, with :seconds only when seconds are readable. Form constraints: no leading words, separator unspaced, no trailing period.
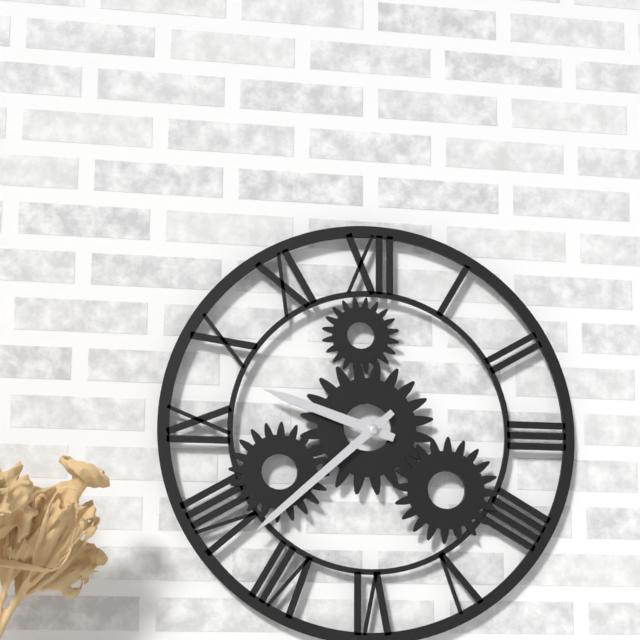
9:38
